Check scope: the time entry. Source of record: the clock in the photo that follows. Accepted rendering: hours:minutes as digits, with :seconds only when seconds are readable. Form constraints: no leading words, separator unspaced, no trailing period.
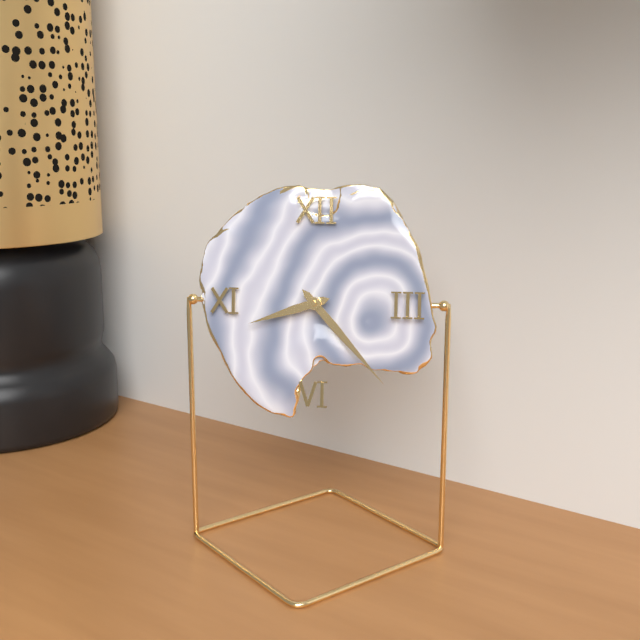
8:23
